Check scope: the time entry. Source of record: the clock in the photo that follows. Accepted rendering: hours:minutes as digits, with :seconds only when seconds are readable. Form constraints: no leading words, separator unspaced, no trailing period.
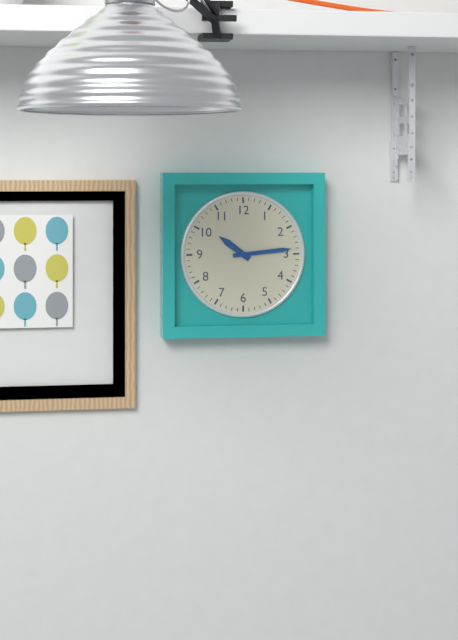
10:14
